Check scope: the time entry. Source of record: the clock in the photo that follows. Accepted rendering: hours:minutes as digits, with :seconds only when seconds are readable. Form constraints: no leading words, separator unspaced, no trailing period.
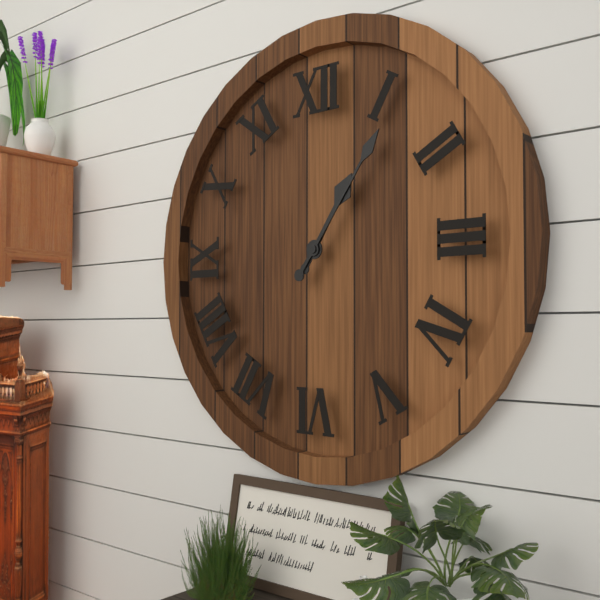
1:06
